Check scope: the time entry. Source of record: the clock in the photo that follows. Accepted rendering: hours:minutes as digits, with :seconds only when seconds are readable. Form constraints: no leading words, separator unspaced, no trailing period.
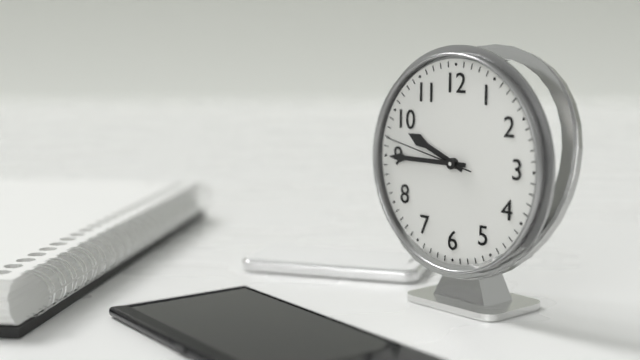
9:45:47
